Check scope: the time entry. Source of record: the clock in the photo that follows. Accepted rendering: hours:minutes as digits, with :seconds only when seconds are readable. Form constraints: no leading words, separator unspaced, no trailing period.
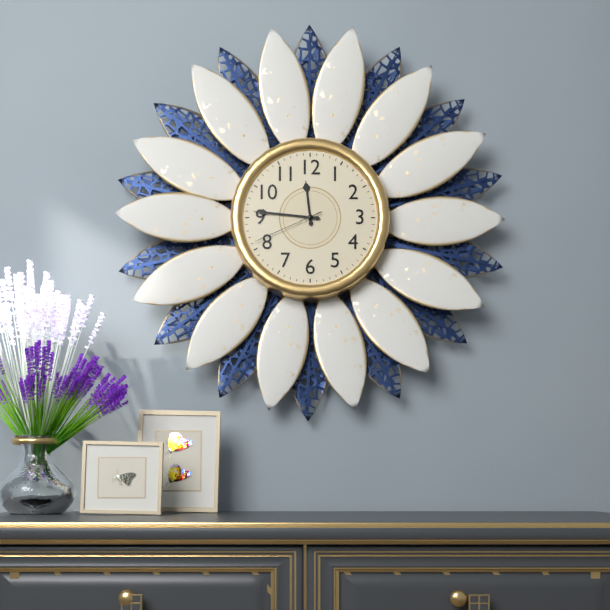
11:46:41
